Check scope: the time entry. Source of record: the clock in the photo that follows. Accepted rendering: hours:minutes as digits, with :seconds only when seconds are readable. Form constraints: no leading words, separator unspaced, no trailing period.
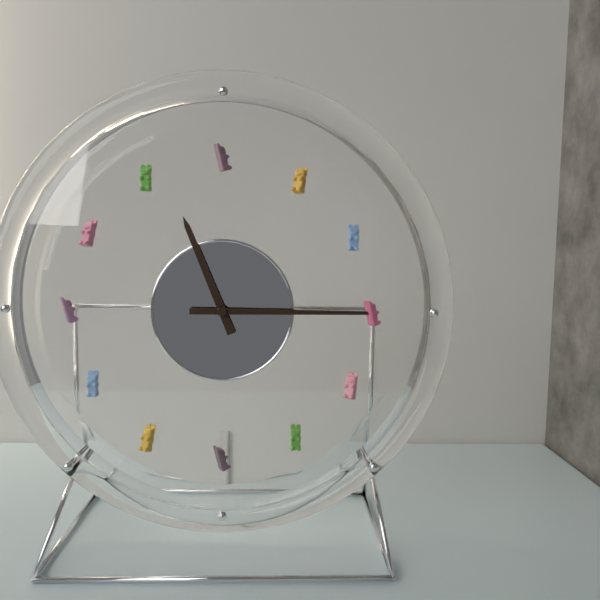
11:15
